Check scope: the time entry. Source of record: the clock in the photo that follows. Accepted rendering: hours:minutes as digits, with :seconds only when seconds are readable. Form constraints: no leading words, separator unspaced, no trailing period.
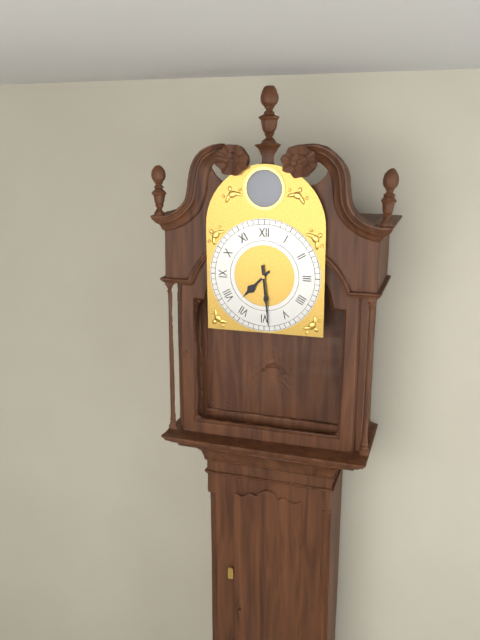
7:29
